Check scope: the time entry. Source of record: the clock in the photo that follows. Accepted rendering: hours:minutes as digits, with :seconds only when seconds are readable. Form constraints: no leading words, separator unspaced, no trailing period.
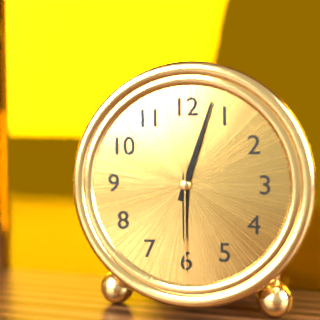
6:03:30
